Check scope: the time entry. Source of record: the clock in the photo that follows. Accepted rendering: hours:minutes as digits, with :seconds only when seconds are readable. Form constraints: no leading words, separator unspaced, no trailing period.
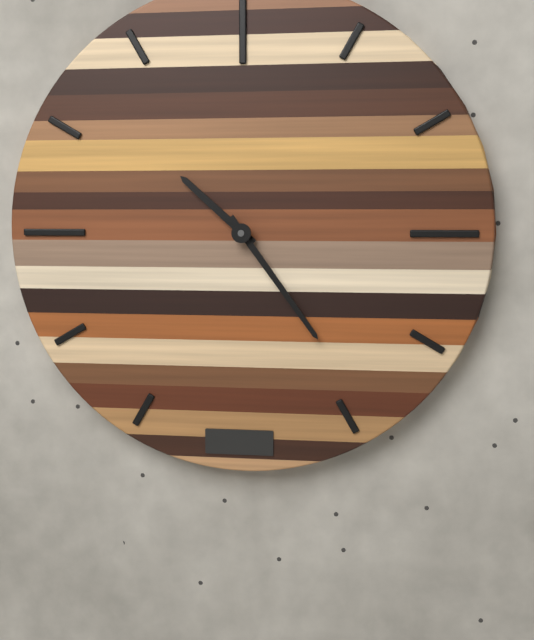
10:24
